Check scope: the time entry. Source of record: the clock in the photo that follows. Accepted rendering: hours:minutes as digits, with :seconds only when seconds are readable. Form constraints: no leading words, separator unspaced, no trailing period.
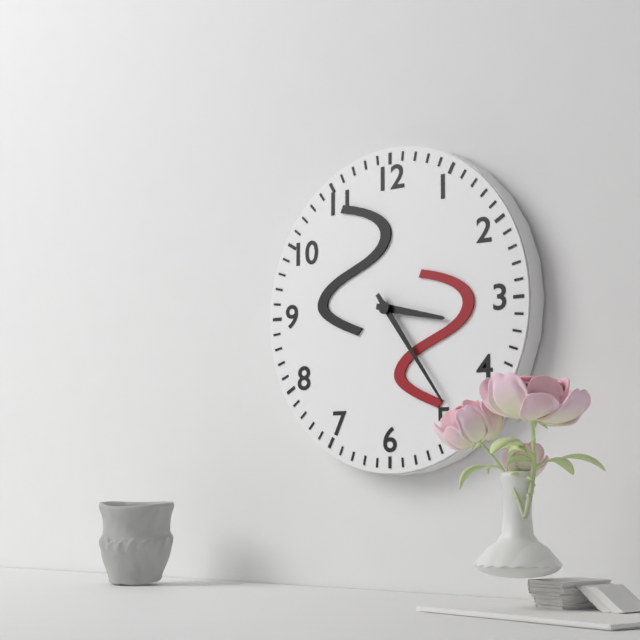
3:24
